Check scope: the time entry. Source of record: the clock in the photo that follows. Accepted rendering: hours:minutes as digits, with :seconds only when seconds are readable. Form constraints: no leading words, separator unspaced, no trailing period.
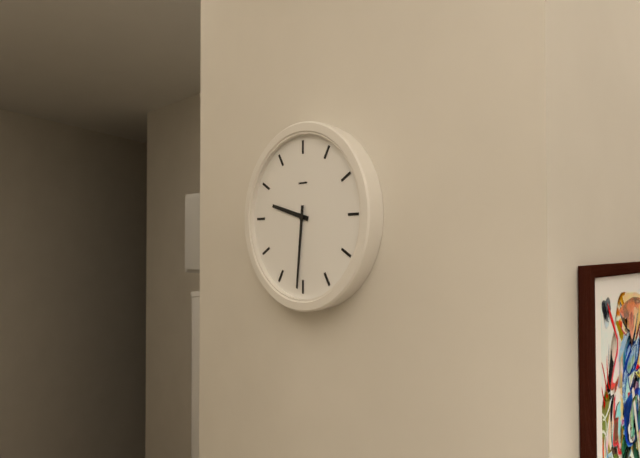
9:31
